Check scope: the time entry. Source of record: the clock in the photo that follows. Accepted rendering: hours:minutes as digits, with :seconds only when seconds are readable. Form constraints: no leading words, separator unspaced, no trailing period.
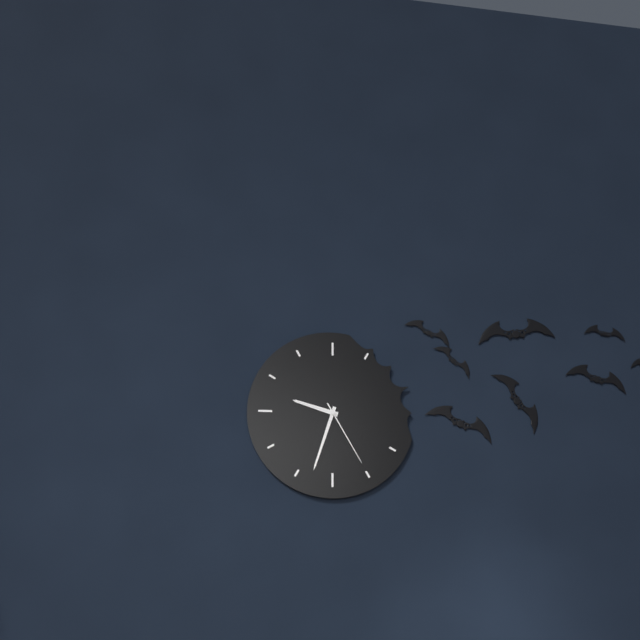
9:33:25
